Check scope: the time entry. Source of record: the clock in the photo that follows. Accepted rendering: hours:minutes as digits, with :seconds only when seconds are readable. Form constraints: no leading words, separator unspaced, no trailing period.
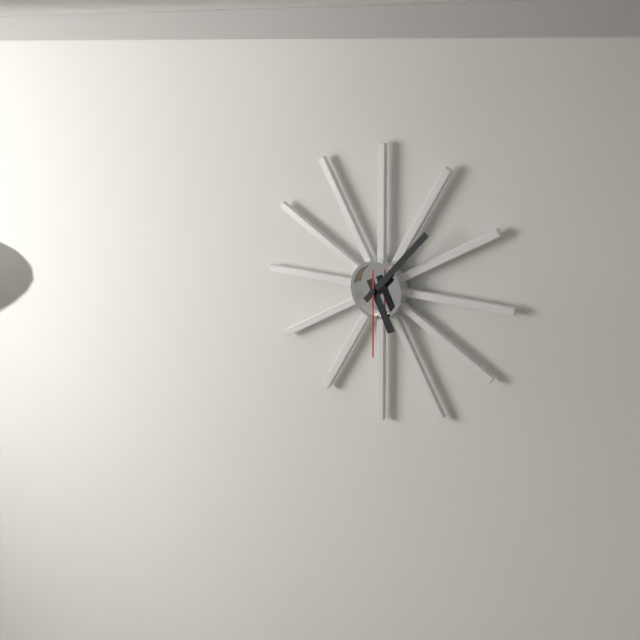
5:07:30
